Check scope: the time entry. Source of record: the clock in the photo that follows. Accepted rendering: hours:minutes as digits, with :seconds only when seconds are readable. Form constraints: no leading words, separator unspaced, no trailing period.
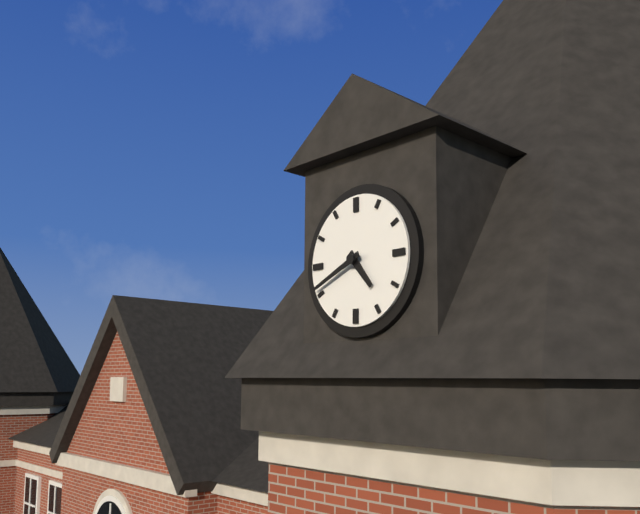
4:41
